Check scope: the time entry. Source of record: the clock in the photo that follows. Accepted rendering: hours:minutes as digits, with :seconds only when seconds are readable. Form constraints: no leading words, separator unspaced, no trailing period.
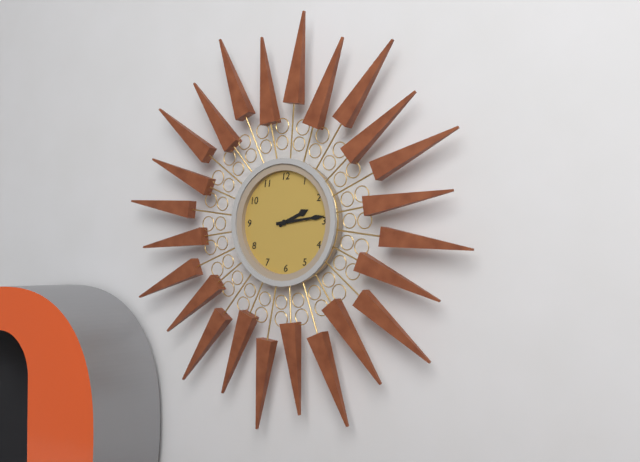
2:14
